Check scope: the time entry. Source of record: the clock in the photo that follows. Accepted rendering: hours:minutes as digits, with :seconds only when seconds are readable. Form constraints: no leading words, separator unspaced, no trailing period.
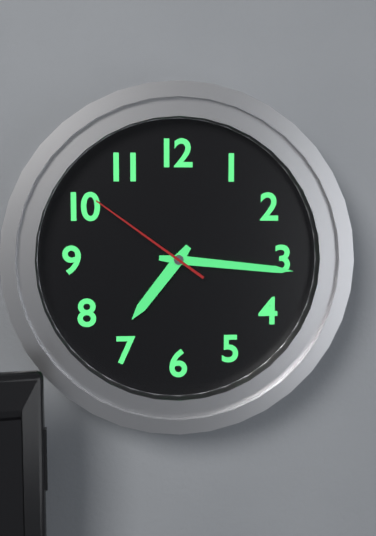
7:16:51
